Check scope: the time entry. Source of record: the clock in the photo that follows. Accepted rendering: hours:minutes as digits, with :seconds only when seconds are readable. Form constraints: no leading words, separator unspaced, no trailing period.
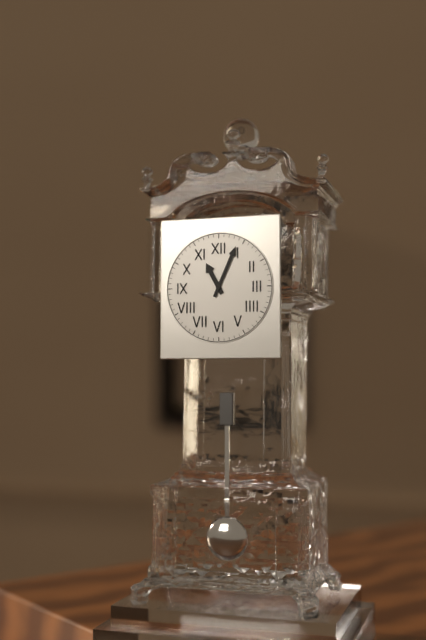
11:04
